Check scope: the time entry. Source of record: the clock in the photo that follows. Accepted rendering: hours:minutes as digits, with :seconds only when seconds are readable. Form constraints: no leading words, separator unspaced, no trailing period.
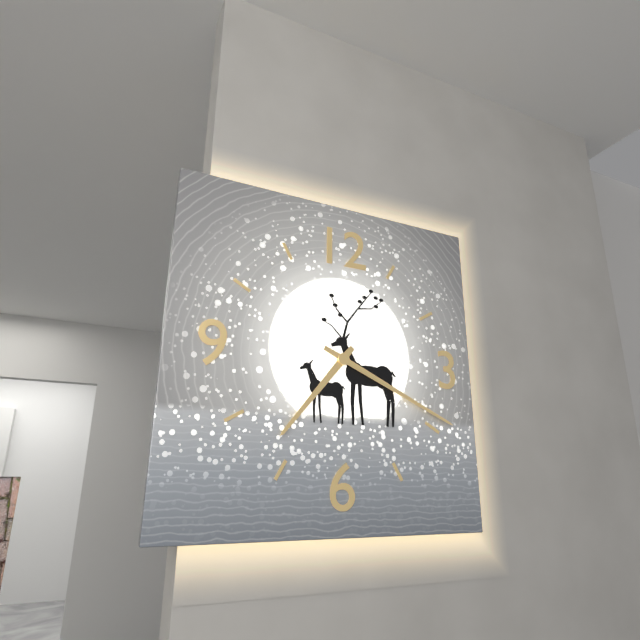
7:19
